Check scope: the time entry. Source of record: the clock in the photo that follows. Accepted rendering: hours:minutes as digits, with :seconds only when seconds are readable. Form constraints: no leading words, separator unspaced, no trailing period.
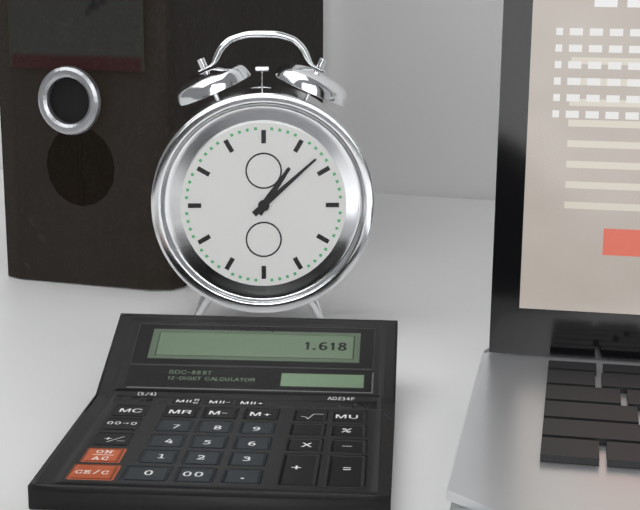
1:08
